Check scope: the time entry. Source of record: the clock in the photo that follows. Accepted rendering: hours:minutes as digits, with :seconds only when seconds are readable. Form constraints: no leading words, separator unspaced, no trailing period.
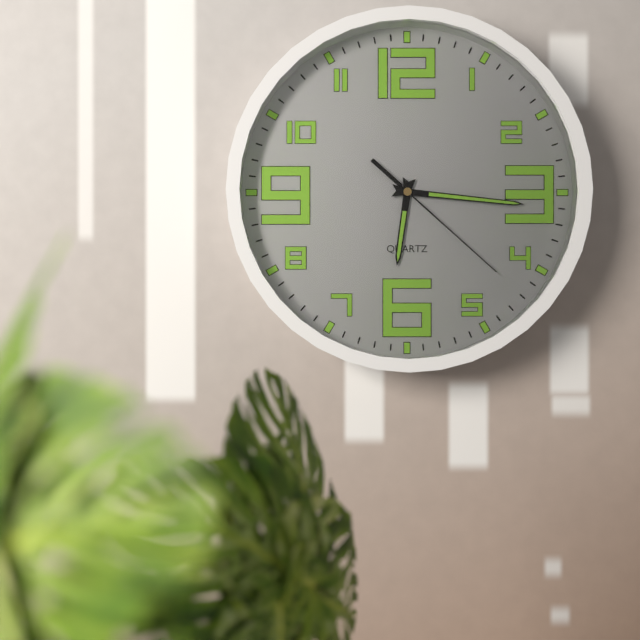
6:16:22
